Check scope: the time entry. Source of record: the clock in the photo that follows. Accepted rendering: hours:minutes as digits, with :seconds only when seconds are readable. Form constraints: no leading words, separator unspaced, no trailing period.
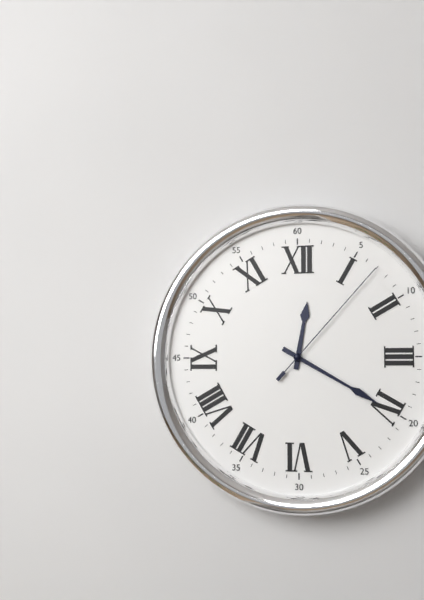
12:20:07
